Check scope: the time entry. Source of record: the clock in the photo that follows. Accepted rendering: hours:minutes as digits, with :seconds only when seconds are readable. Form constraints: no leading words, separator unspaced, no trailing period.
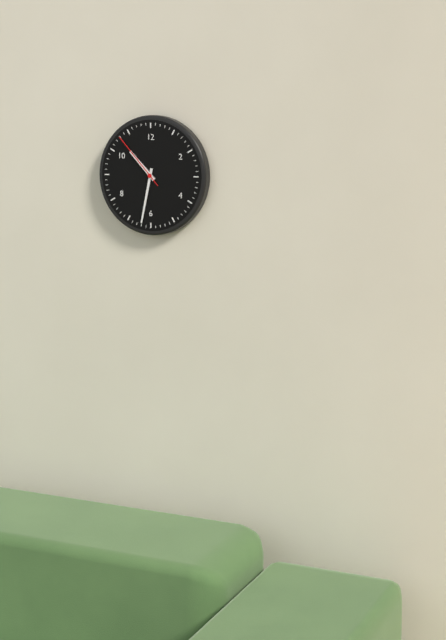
10:32:53
